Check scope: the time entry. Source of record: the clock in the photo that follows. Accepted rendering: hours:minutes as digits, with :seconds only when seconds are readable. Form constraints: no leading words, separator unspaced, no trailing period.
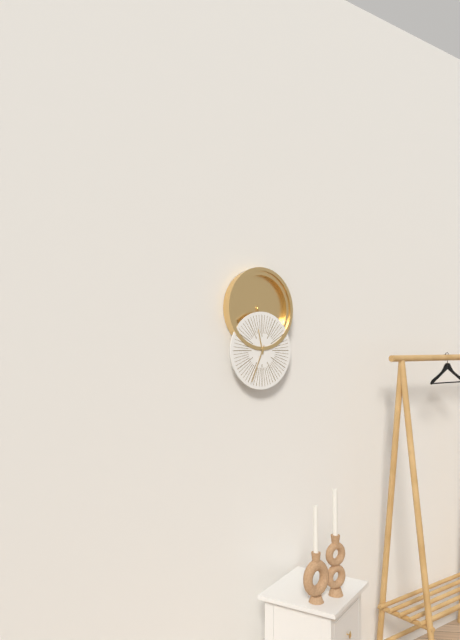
11:34
